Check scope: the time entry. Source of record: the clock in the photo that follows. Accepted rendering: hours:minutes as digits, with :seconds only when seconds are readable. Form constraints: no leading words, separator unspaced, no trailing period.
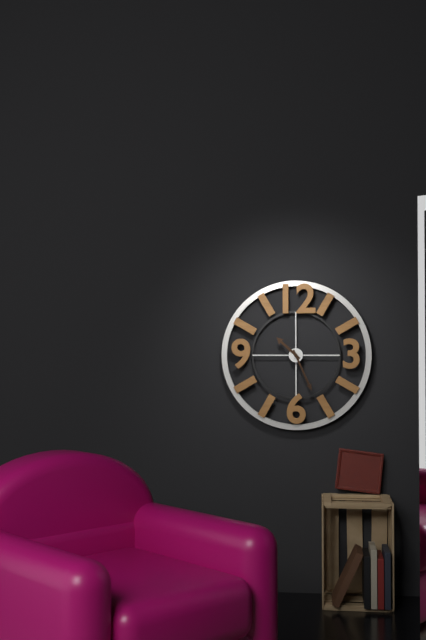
10:26
